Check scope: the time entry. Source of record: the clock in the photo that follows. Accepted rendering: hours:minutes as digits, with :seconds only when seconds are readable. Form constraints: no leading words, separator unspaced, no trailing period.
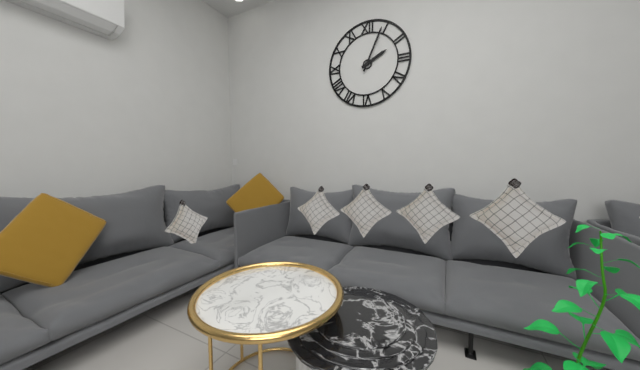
2:04
